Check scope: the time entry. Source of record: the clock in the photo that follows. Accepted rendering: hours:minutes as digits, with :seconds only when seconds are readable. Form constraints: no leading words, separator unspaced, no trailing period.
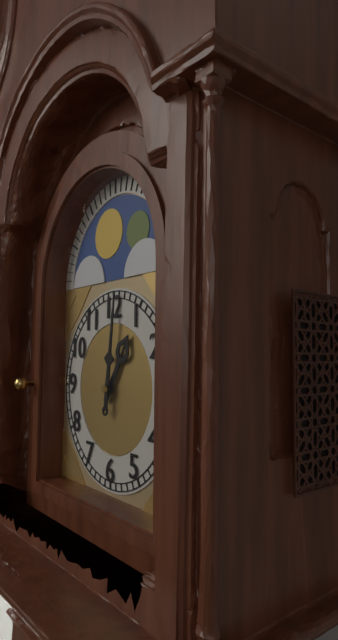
1:01
